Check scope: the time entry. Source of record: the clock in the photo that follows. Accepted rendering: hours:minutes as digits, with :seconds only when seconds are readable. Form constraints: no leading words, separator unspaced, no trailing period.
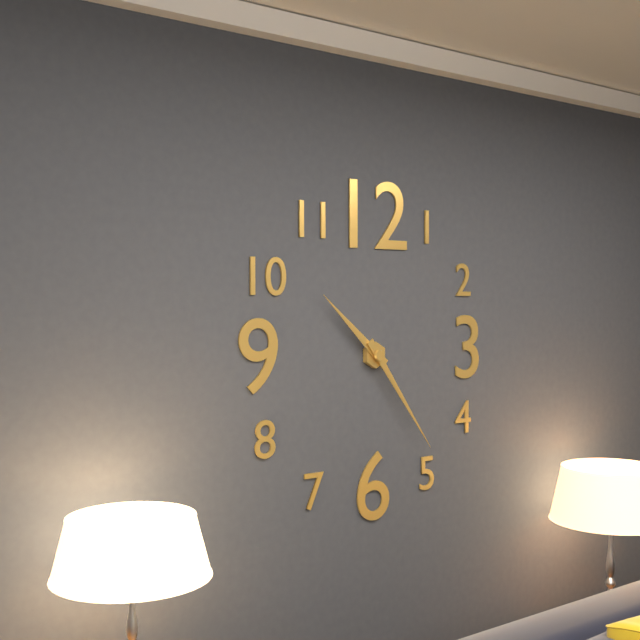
10:24
